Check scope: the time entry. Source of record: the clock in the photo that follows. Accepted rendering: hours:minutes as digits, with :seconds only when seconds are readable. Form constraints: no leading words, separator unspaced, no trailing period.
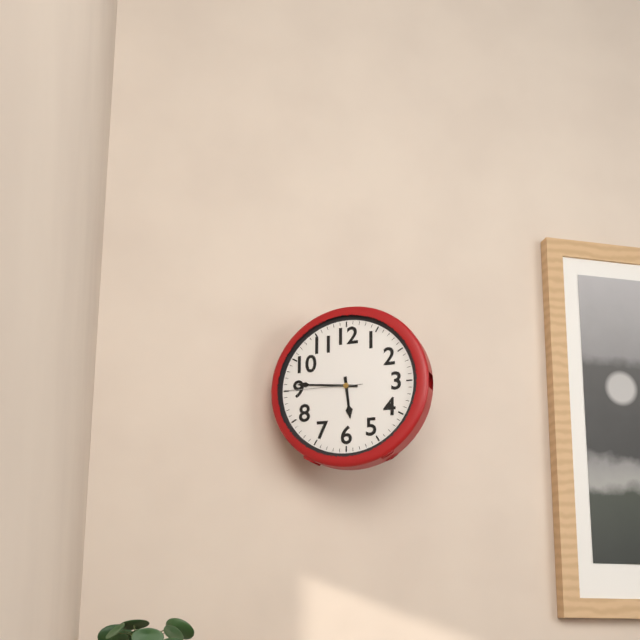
5:46:45
